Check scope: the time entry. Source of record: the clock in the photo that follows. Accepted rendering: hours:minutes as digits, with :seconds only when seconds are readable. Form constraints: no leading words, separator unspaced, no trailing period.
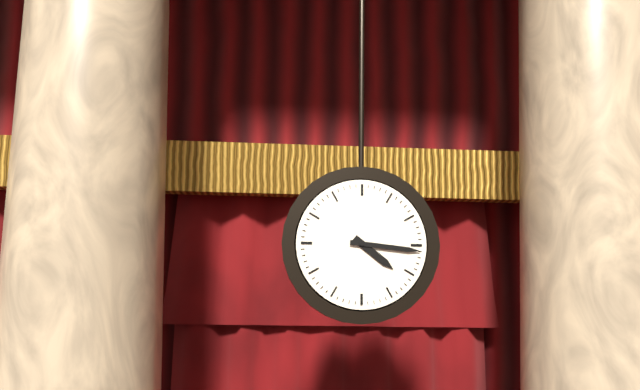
4:16
